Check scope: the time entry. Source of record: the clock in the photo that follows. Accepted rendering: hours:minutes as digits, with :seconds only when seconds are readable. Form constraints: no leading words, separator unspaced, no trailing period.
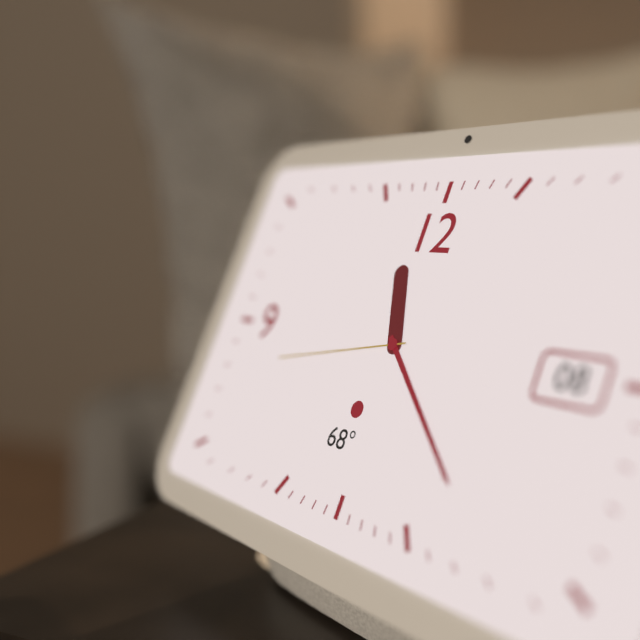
11:22:43
